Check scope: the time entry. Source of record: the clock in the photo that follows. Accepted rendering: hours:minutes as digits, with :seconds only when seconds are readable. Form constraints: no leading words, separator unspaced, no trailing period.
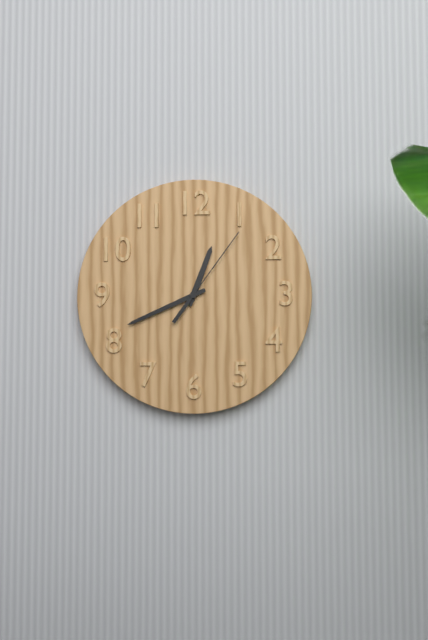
12:41:06
